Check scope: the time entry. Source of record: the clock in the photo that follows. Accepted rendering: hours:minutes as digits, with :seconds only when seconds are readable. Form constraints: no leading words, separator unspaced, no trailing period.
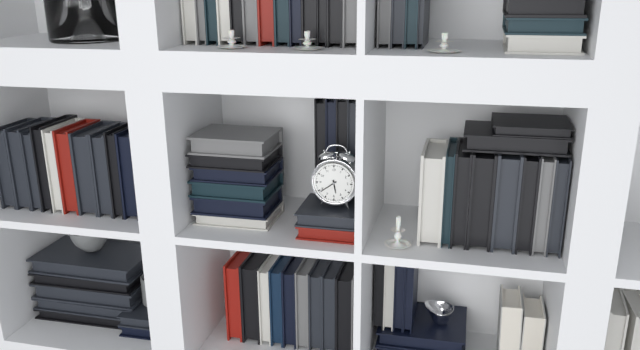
5:39
